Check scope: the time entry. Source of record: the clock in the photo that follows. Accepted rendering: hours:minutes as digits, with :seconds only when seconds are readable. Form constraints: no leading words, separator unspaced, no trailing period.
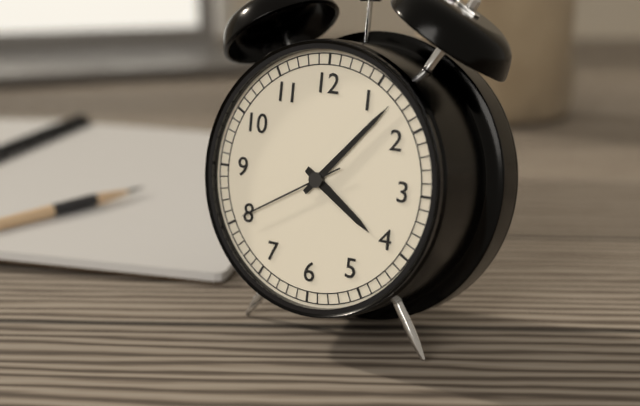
4:07:40
